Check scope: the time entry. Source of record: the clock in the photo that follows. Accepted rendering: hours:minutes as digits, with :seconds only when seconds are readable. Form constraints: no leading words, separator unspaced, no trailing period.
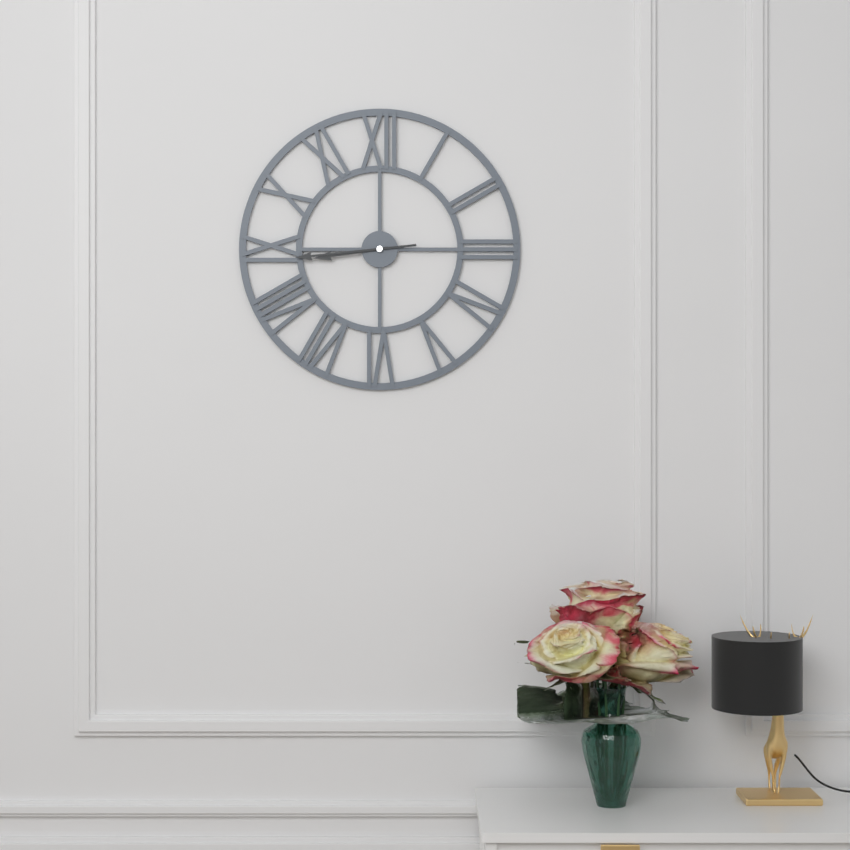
8:44
